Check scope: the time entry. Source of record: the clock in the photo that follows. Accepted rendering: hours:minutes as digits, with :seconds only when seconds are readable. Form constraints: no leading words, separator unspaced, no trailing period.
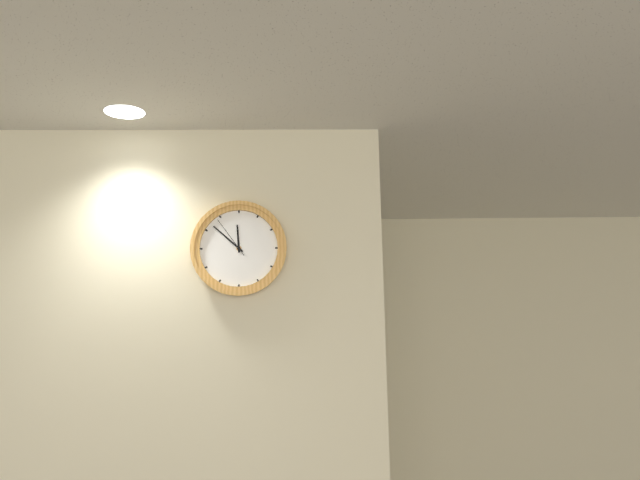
11:52
